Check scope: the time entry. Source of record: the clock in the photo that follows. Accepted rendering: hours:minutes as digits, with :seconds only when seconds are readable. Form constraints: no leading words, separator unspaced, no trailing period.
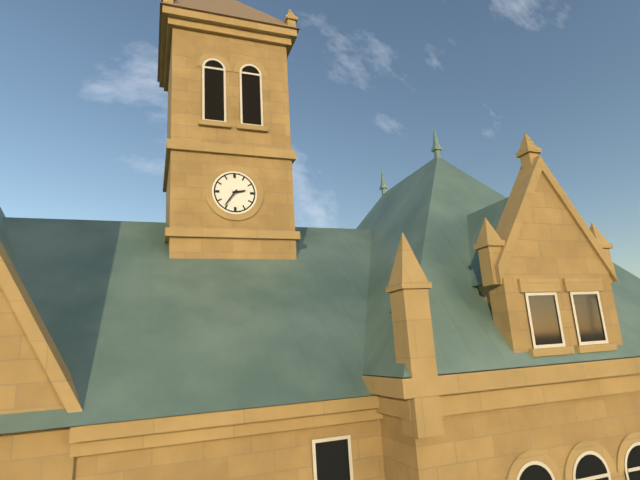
2:36
